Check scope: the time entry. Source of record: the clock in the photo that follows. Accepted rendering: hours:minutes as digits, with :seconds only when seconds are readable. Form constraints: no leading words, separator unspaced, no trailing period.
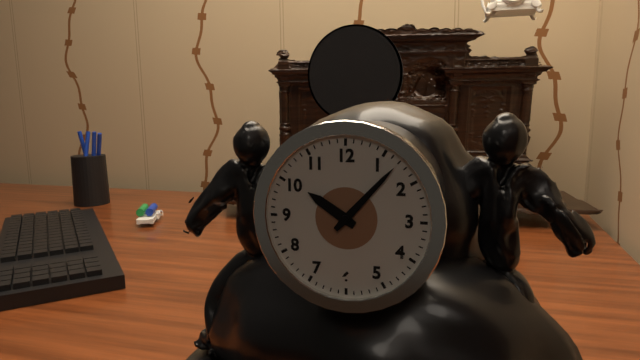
10:07
